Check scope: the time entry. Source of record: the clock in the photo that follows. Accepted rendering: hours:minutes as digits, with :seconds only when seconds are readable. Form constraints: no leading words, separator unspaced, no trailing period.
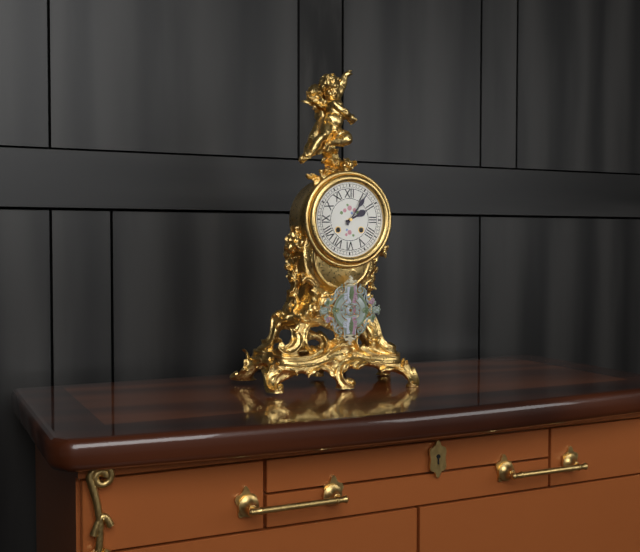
2:06
